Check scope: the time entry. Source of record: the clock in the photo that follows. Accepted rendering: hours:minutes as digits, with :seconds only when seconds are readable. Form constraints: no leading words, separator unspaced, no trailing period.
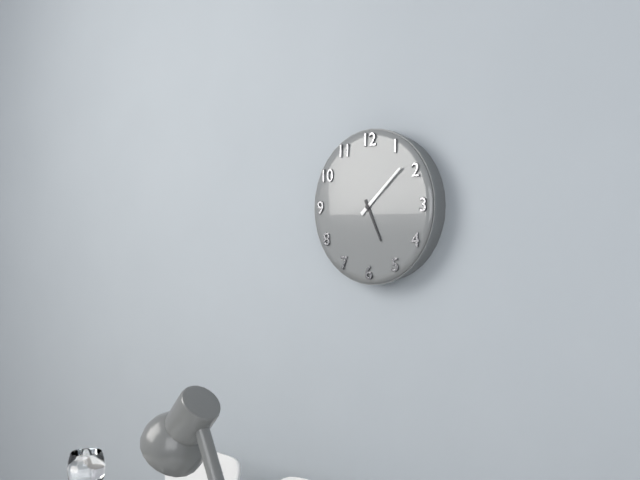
5:08
